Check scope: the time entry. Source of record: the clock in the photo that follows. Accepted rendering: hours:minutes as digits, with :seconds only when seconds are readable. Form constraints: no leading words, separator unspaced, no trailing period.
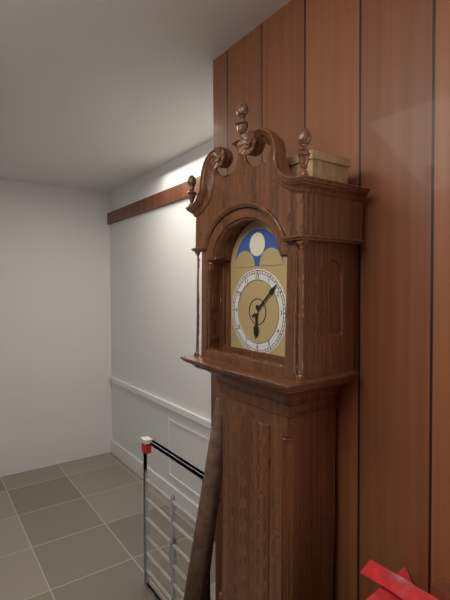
6:08
